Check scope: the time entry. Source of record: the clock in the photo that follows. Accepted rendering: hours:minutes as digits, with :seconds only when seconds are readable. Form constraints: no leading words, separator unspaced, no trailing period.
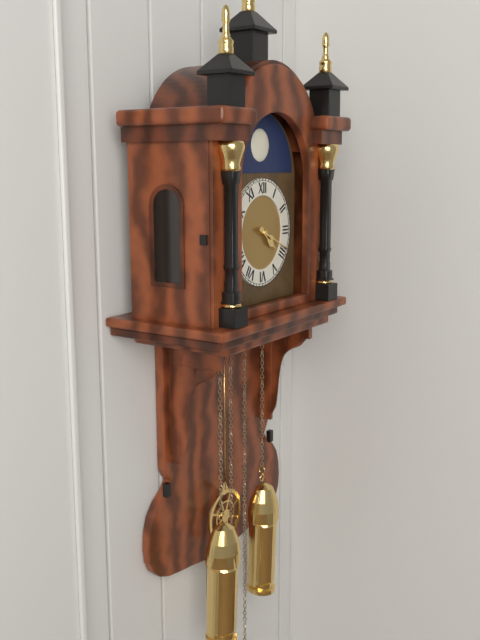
4:19
